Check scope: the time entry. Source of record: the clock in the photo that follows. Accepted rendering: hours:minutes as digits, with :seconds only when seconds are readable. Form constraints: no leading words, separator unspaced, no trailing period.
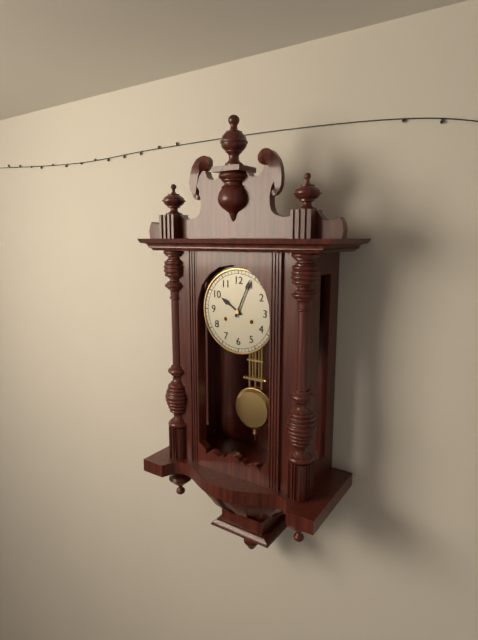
10:04
